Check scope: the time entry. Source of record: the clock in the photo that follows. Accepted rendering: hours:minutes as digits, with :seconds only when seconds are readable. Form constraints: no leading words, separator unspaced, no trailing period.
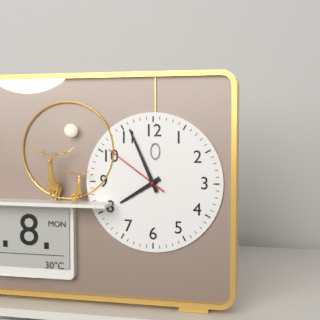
7:56:51
